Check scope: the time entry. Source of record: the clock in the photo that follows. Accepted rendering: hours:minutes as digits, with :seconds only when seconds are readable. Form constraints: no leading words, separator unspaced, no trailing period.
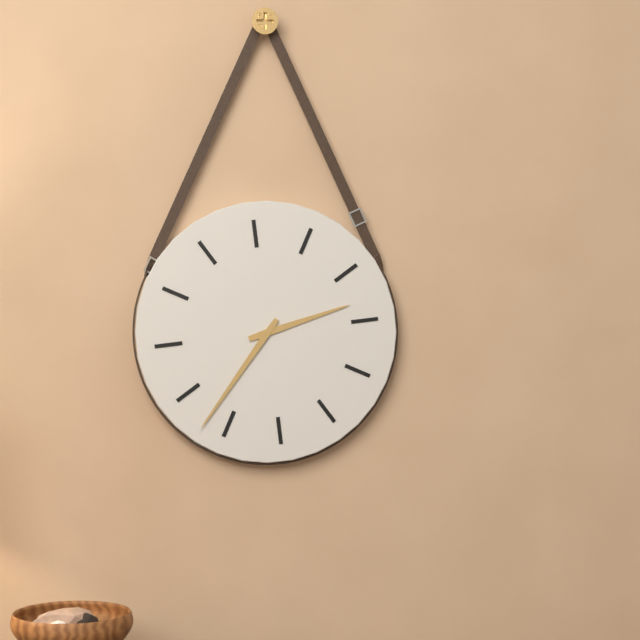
2:37
